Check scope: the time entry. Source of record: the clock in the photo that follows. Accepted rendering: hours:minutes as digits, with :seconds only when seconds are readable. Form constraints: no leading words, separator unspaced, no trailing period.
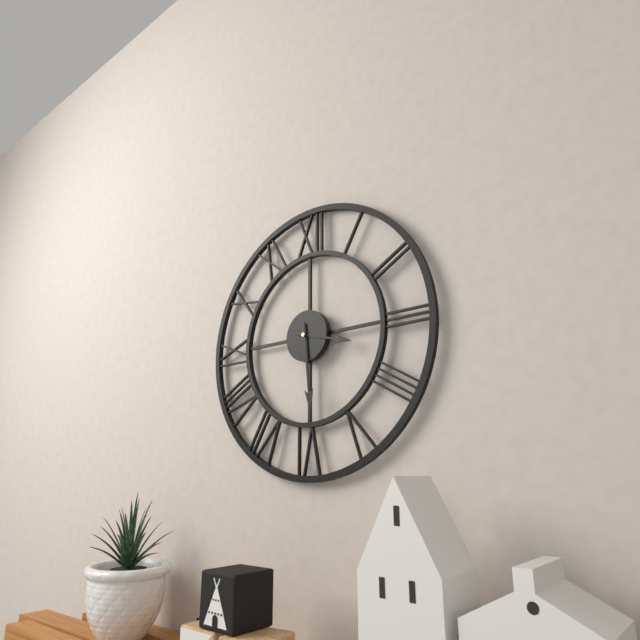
3:29
